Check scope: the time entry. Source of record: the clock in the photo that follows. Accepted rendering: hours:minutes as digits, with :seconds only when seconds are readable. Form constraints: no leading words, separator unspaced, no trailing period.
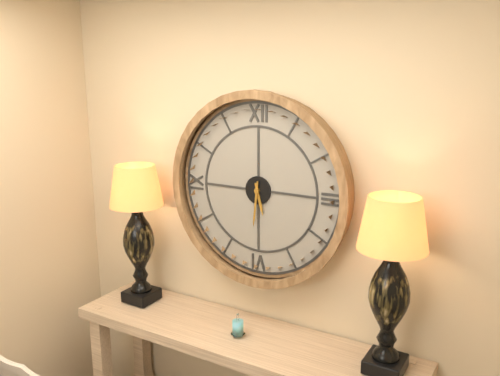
5:31
